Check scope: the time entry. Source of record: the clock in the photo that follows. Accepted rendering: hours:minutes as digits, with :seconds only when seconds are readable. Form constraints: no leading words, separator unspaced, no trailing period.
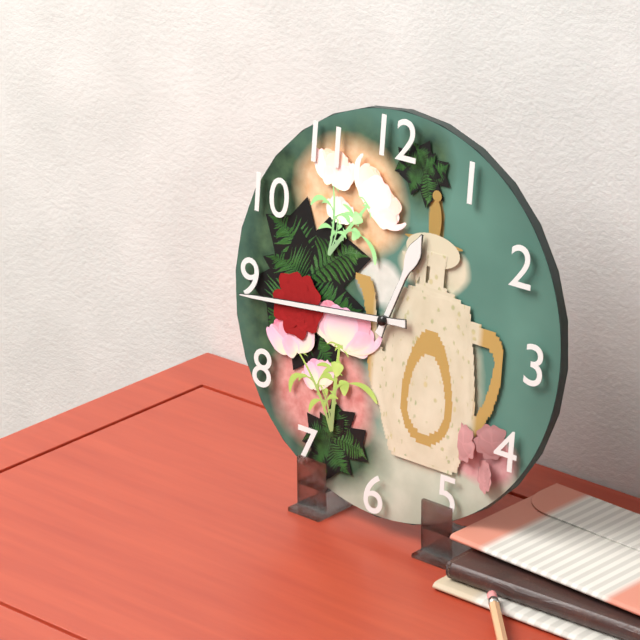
12:44
